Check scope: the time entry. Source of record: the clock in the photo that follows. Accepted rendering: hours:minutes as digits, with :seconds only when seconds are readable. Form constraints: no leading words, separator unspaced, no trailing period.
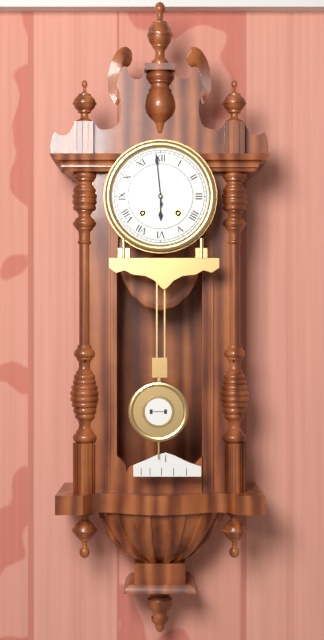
5:59
